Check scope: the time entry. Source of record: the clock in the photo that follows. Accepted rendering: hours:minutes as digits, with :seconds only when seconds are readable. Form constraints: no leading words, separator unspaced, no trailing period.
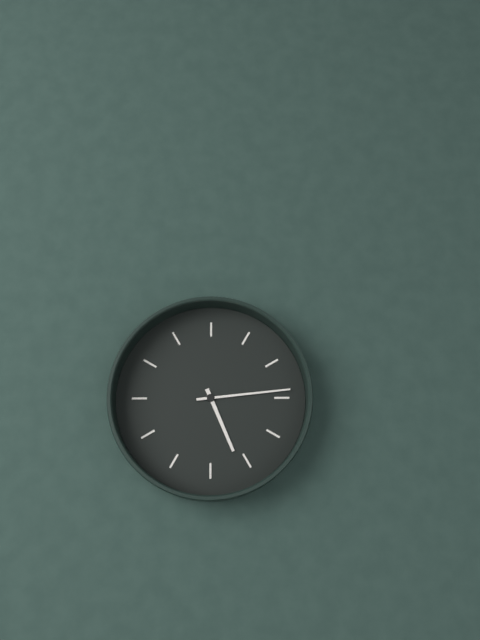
5:14
